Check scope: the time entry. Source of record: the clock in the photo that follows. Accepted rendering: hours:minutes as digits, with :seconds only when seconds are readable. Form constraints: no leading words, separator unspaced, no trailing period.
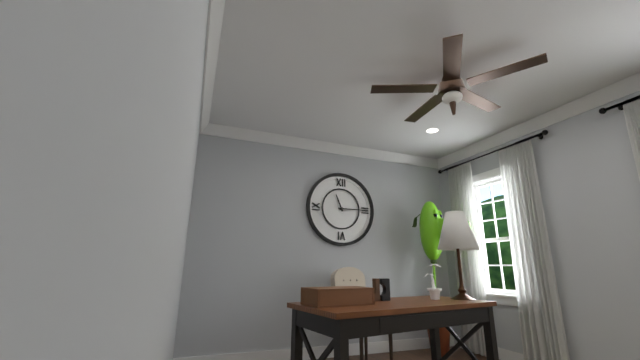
11:15
